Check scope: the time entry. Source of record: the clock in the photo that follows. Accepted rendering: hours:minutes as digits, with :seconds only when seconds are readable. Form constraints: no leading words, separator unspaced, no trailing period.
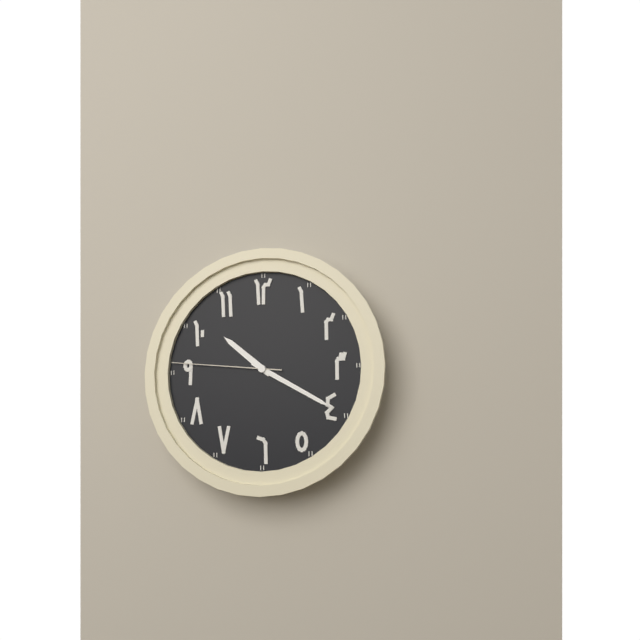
10:20:46
